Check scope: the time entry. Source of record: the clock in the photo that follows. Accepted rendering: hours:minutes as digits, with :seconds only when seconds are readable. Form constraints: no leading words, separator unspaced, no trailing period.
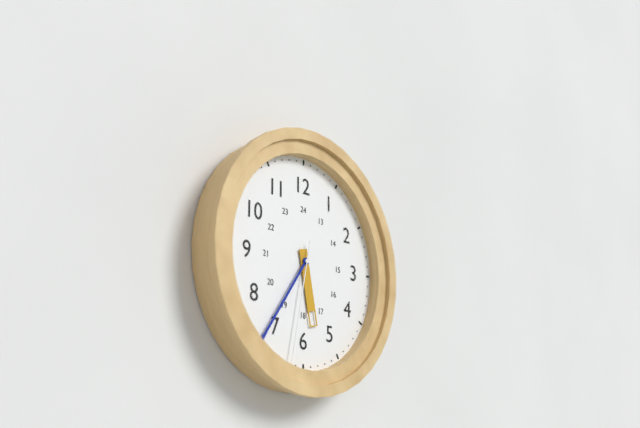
5:36:32
